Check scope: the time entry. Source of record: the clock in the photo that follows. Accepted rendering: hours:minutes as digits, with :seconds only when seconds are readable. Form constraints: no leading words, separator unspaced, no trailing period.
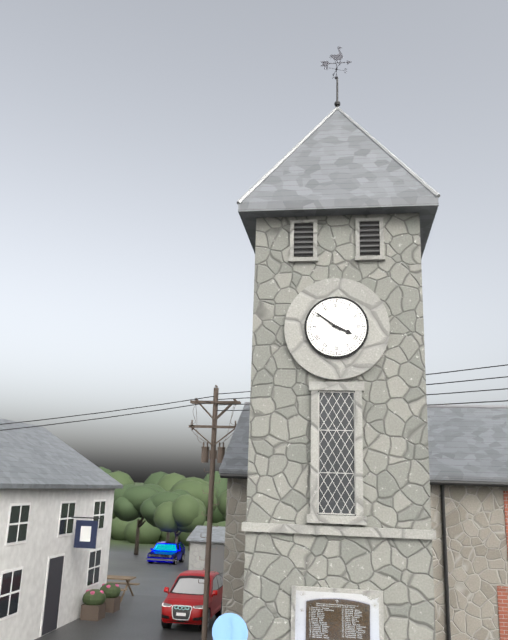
3:51
